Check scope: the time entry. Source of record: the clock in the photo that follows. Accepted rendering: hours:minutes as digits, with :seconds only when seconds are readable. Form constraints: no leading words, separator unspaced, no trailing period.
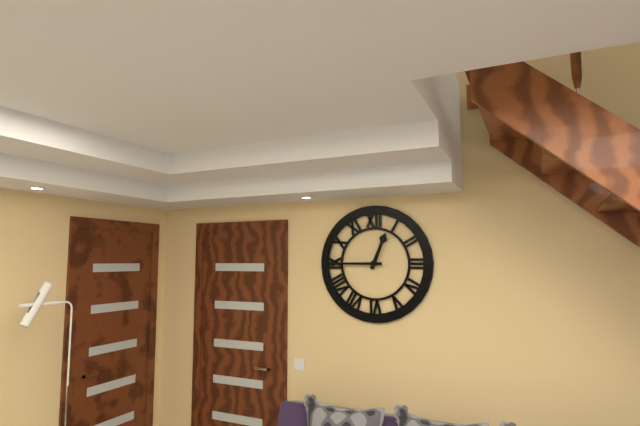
12:45
